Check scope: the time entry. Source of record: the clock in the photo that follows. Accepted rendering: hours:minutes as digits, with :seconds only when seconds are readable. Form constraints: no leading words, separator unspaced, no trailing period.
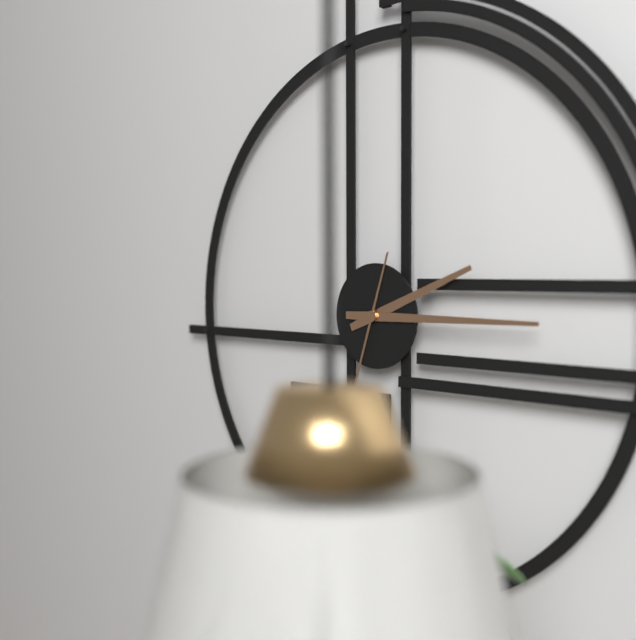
2:15
